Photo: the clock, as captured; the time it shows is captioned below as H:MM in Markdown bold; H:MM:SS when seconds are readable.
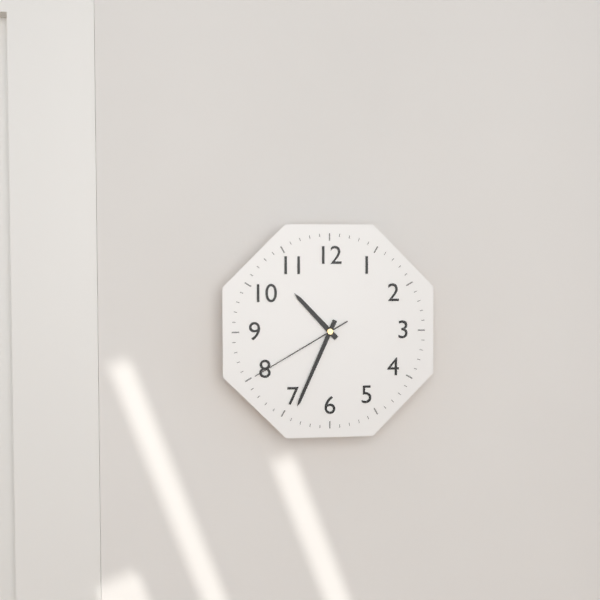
**10:34:40**
